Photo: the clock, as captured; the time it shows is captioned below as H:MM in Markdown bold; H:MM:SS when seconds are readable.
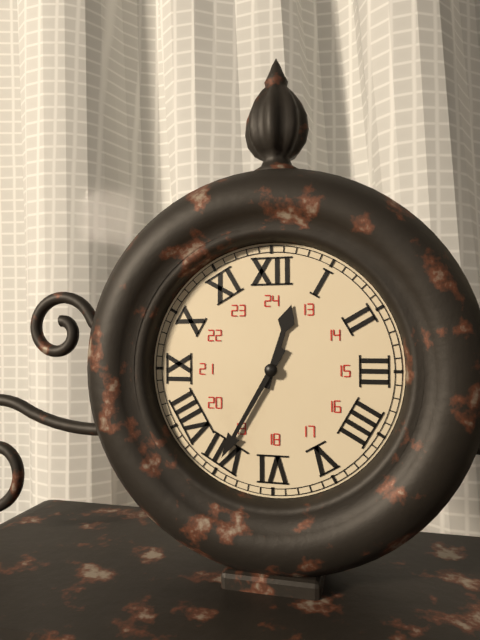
**12:35**
